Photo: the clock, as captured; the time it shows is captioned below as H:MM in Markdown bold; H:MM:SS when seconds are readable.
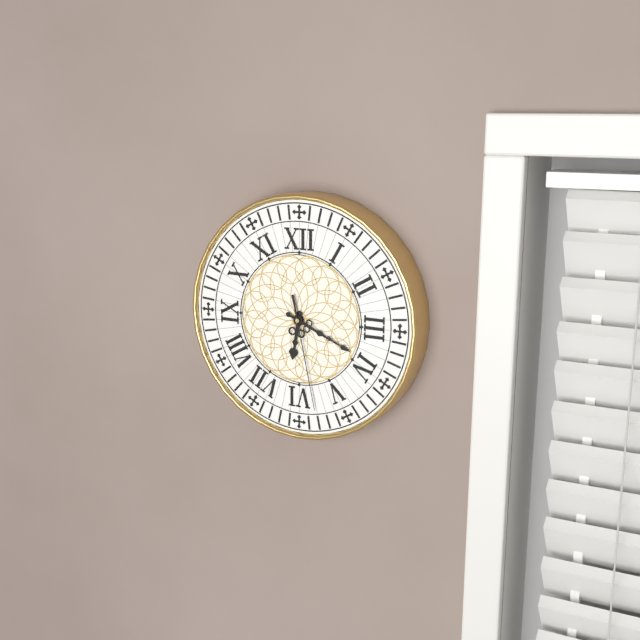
**6:19:28**
